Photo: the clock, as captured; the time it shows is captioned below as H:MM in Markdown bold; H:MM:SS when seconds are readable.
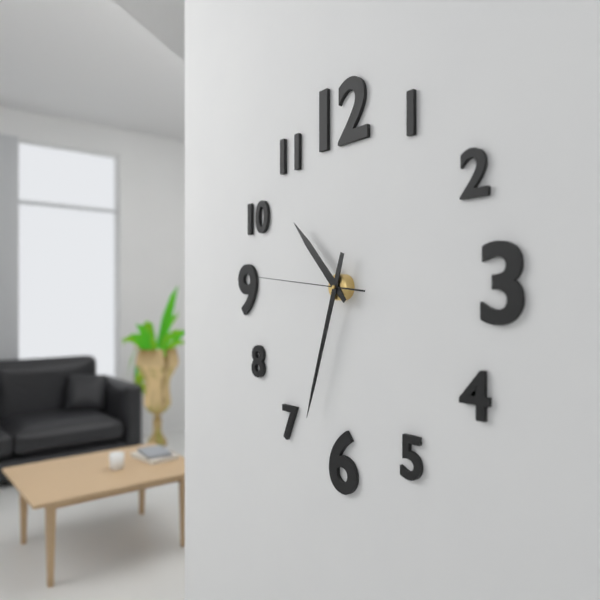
**10:33:46**
